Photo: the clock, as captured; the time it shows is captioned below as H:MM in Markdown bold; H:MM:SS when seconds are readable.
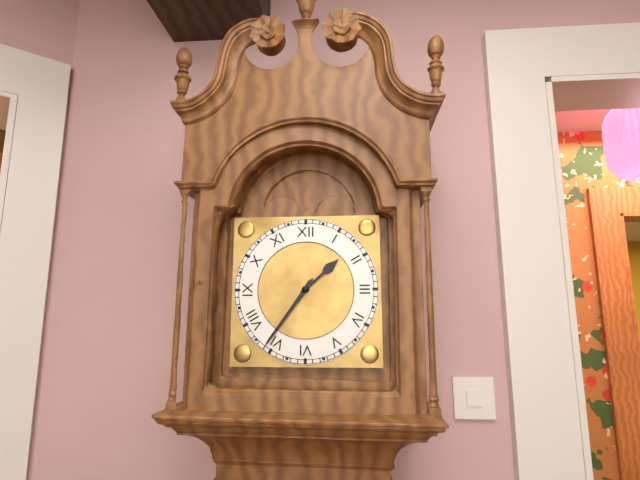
**1:36**
